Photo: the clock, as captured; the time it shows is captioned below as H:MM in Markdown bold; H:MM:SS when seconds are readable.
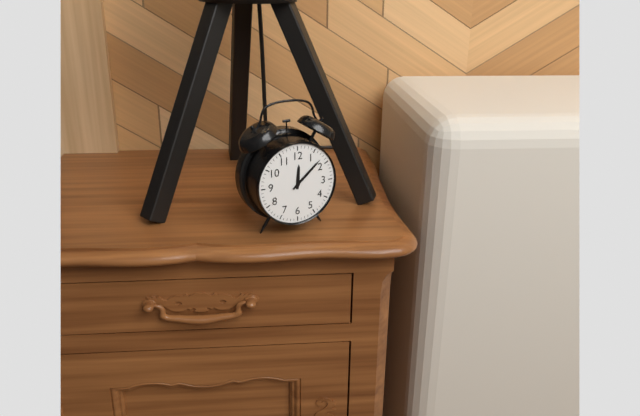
**12:08**
